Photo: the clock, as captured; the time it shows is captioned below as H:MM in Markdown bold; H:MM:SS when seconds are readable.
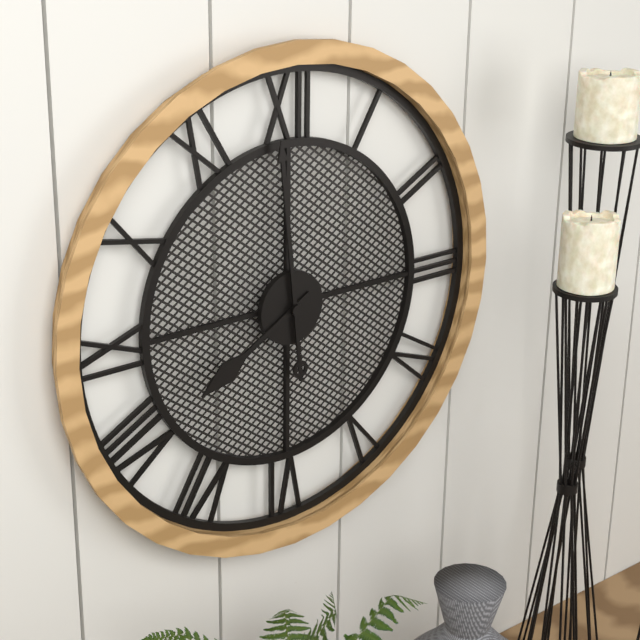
**7:59**
